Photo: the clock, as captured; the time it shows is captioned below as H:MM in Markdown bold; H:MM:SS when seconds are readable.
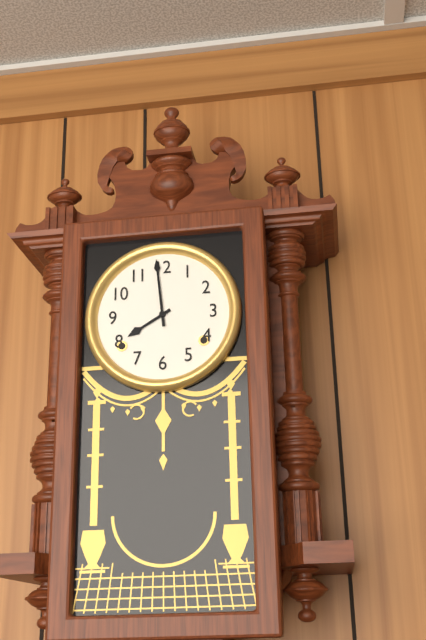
**7:59**
